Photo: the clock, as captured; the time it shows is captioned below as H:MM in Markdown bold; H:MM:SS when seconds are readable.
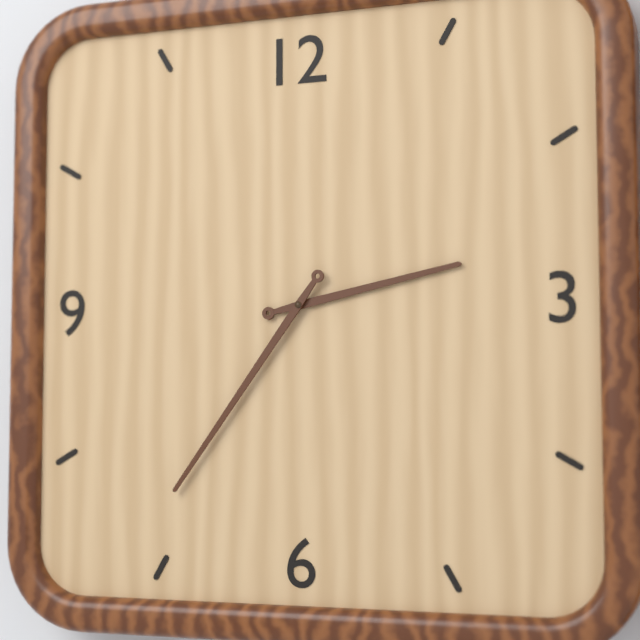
**2:36**
